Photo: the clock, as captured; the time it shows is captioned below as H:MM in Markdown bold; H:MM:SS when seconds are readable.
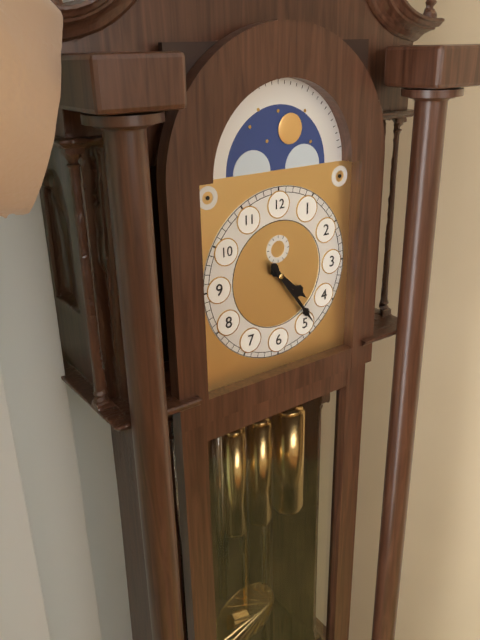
**4:24**
